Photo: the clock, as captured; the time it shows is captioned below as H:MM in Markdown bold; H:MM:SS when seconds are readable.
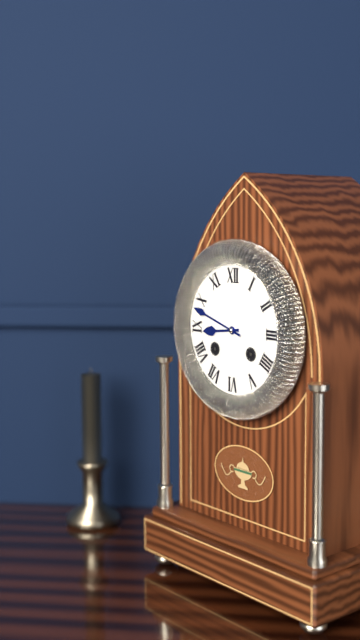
**8:48**
